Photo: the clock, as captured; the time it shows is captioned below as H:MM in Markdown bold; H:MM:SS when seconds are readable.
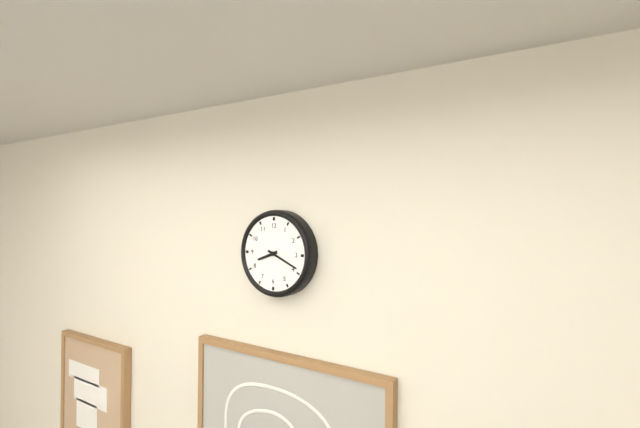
**8:19**
